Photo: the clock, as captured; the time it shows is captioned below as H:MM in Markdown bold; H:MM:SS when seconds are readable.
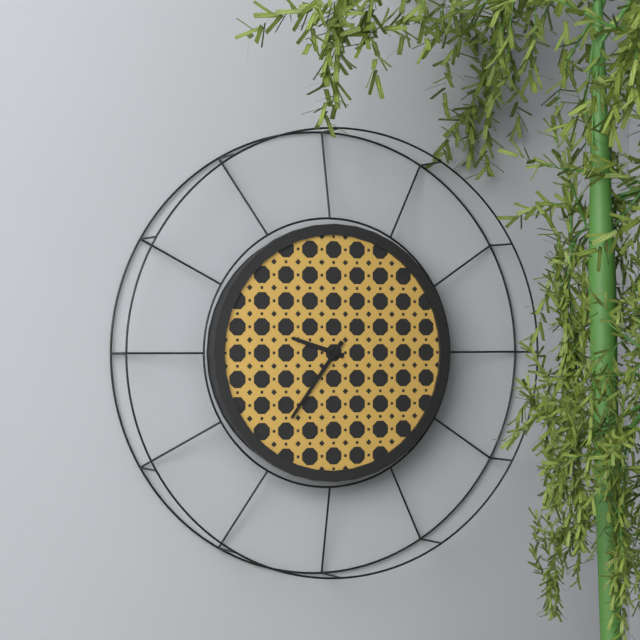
**9:36**
